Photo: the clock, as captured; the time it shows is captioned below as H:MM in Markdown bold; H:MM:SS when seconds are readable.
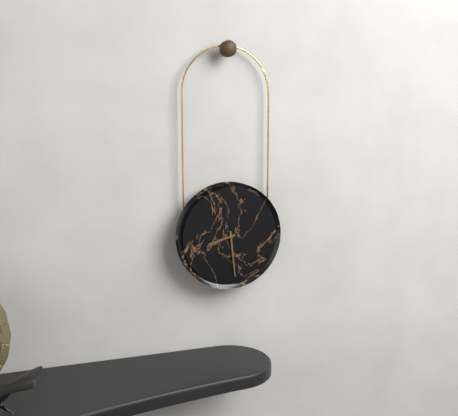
**8:29**
